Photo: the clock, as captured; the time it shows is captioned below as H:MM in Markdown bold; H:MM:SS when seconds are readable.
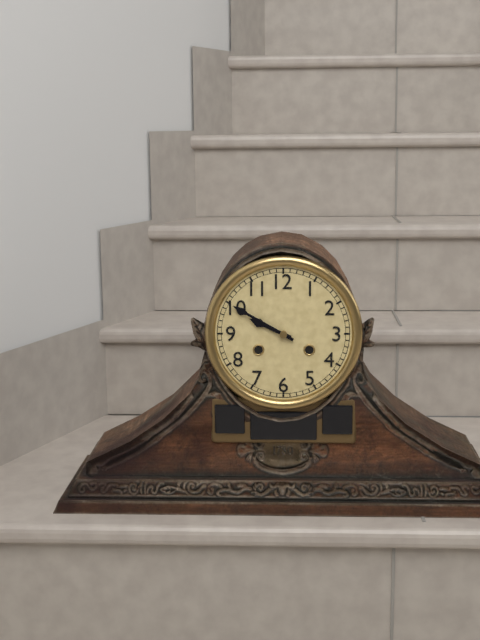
**9:50**
